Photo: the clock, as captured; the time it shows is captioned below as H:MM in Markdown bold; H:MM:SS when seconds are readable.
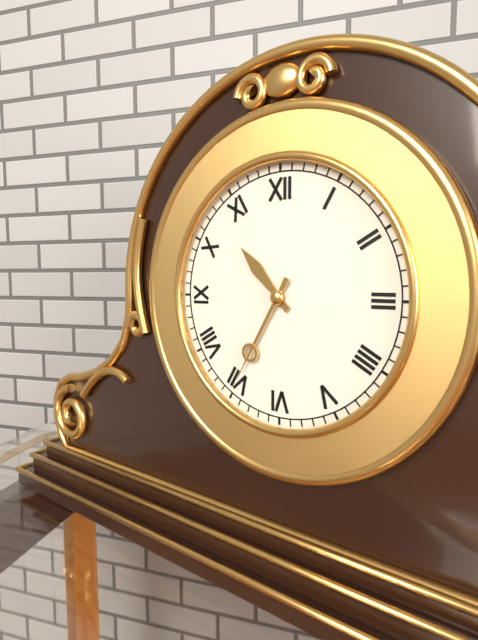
**10:35**
